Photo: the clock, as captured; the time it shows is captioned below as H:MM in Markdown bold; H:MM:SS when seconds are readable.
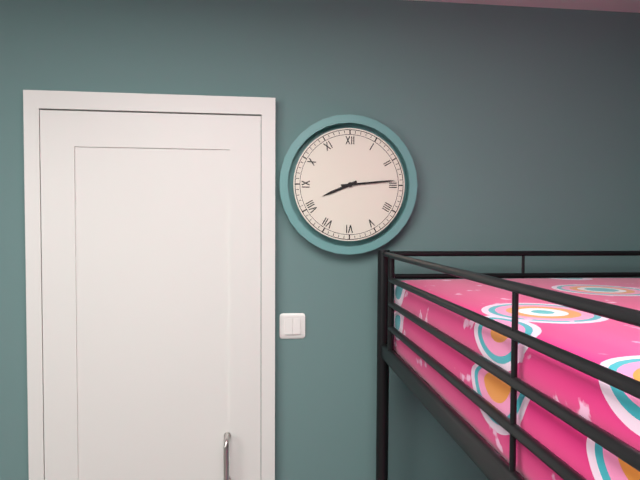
**8:14**
